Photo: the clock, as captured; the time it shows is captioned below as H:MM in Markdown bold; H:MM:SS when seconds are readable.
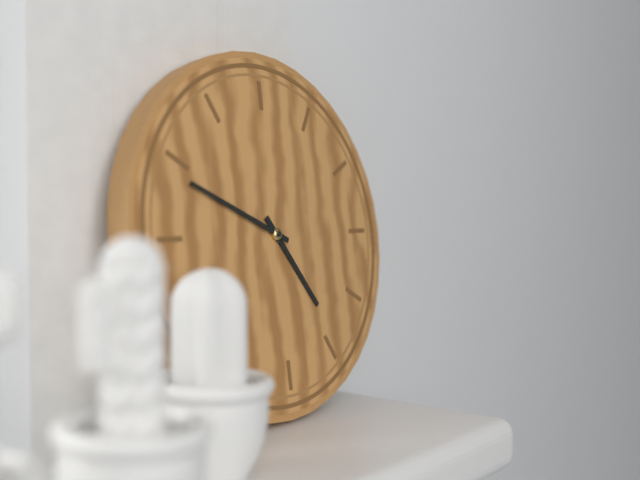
**4:49**
